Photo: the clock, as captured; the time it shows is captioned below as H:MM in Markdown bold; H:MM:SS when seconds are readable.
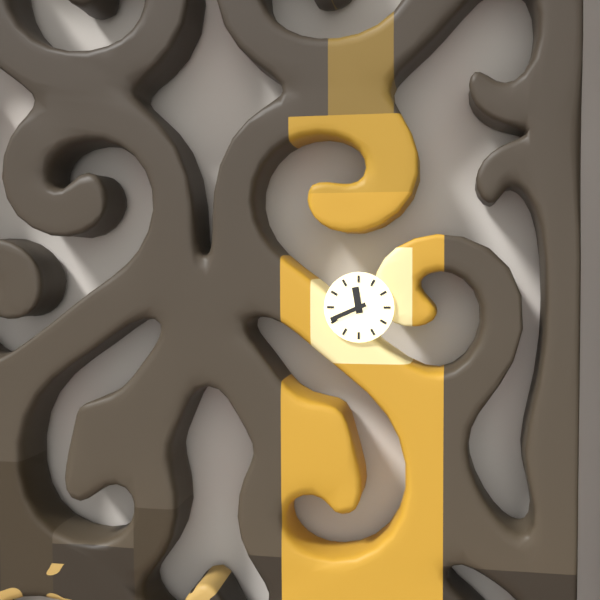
**11:41**
